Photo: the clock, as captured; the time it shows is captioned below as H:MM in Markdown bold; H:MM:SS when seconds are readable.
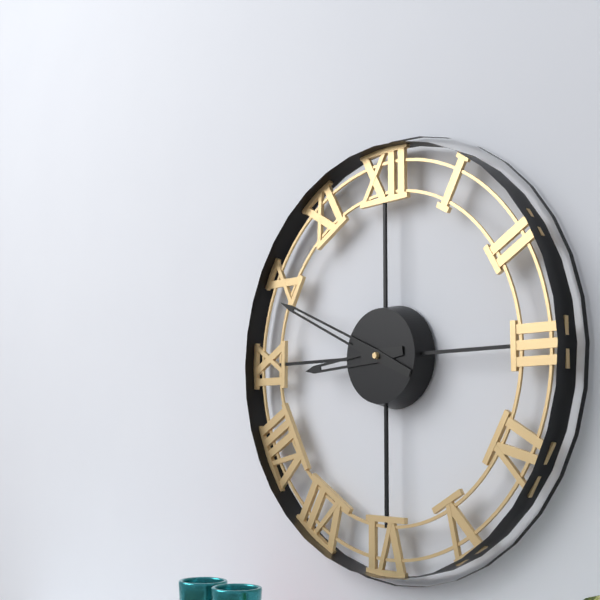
**8:49**
